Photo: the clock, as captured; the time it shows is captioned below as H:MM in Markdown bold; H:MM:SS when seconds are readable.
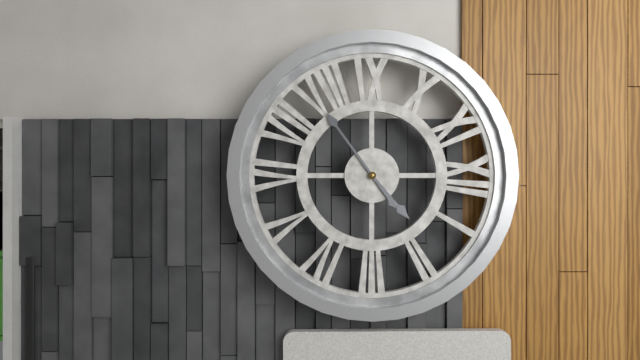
**1:39**
